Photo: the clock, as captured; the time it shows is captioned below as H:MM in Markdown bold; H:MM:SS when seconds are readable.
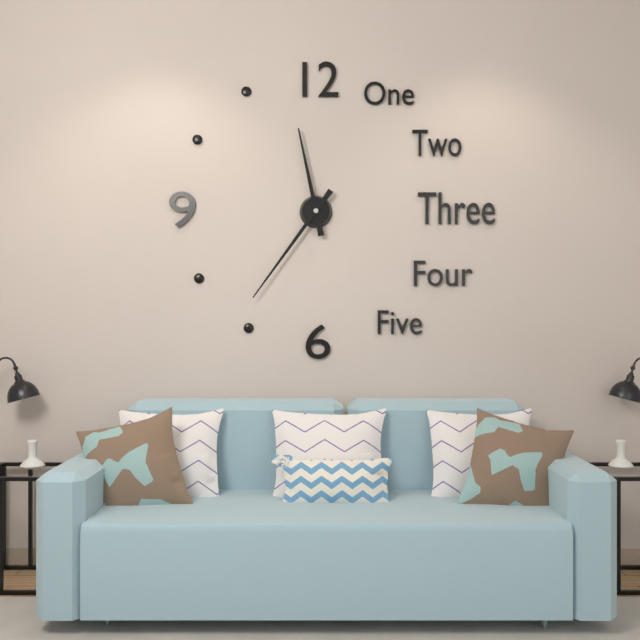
**11:36**
